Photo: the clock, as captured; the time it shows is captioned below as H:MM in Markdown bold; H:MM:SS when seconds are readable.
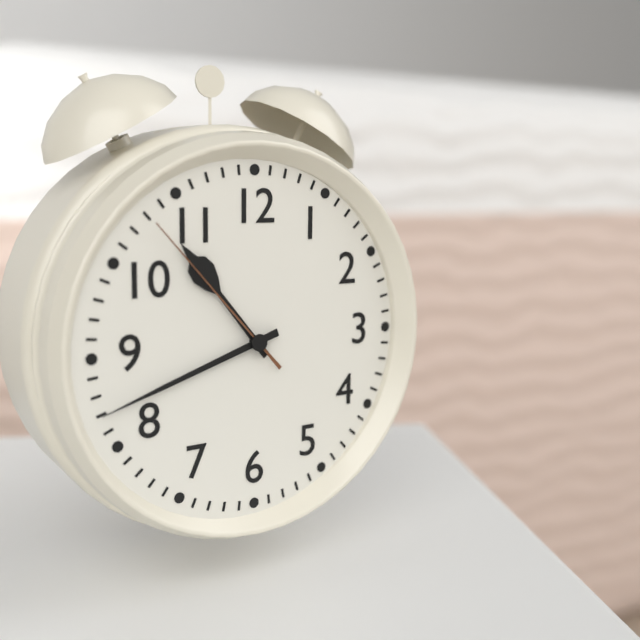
**10:42:53**
